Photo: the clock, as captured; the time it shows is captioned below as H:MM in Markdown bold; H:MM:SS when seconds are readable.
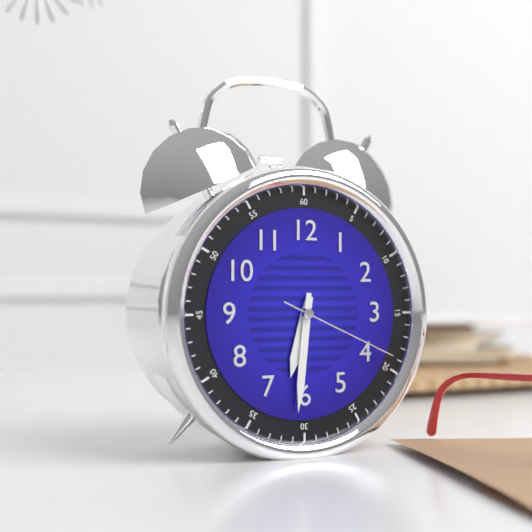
**6:31:19**
